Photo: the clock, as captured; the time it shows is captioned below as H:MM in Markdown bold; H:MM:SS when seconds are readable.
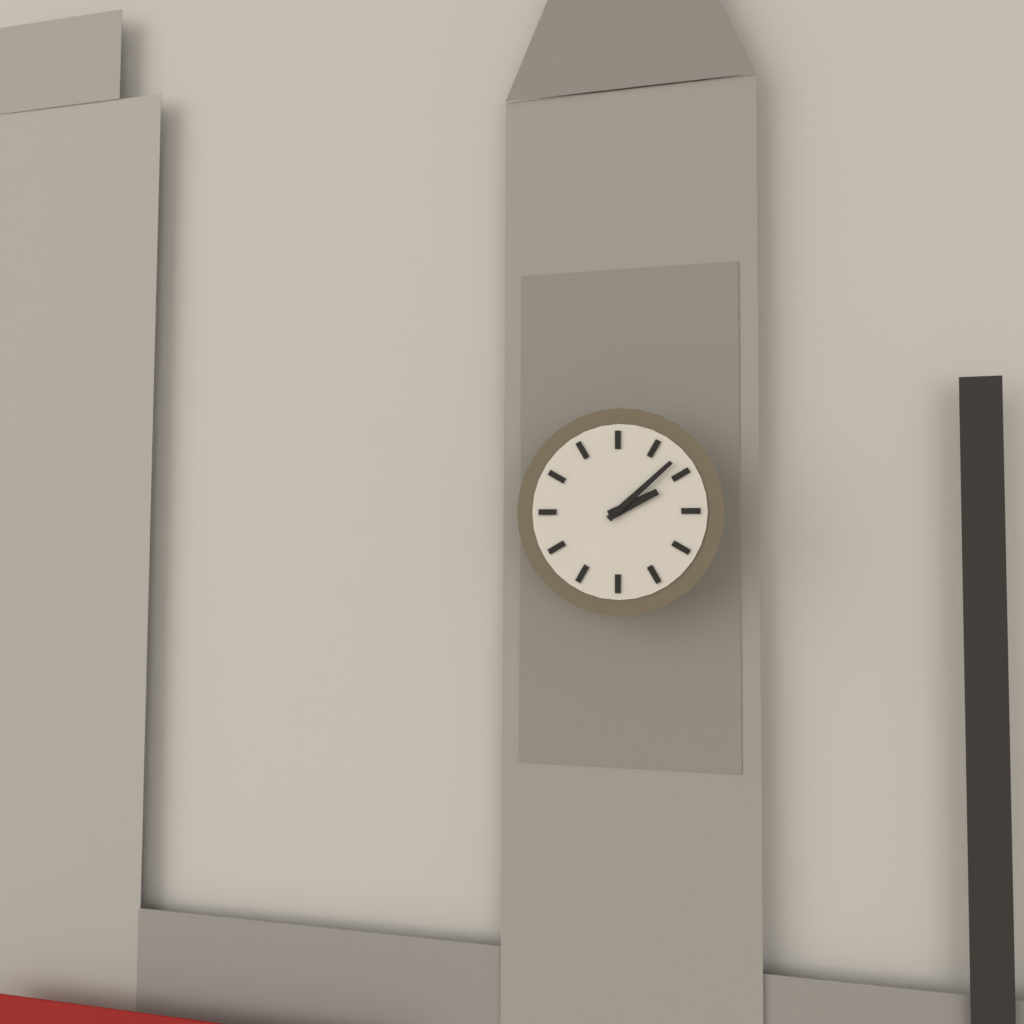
**2:08**
